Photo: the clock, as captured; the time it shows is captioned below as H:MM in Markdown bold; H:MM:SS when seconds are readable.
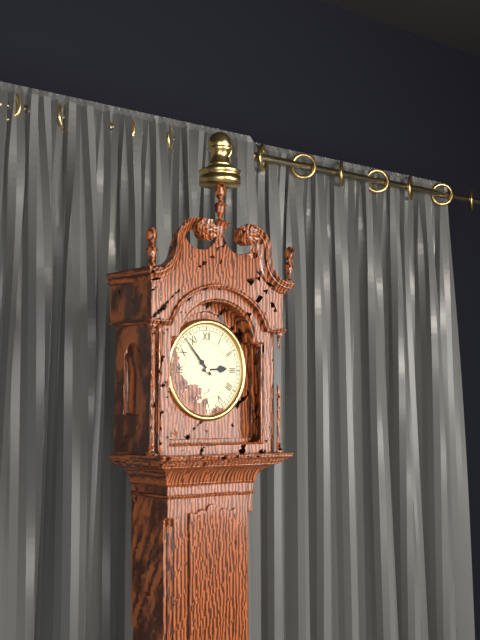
**2:53**
